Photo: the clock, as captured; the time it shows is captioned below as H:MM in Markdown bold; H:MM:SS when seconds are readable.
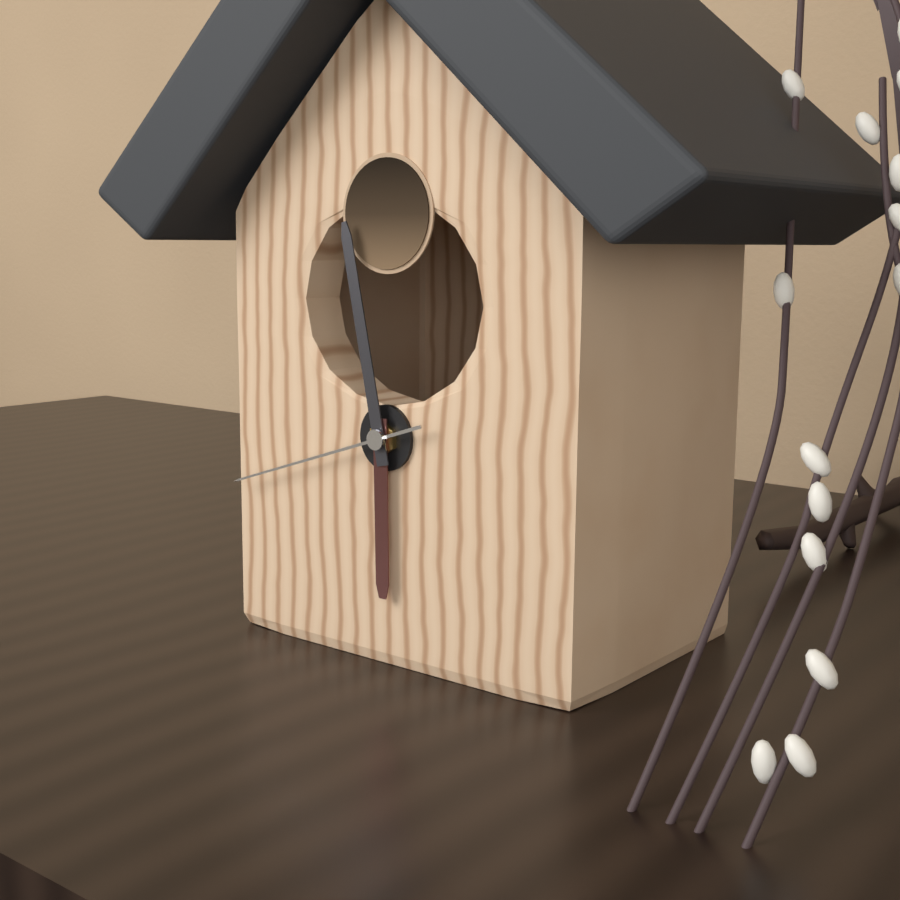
**5:58:42**
